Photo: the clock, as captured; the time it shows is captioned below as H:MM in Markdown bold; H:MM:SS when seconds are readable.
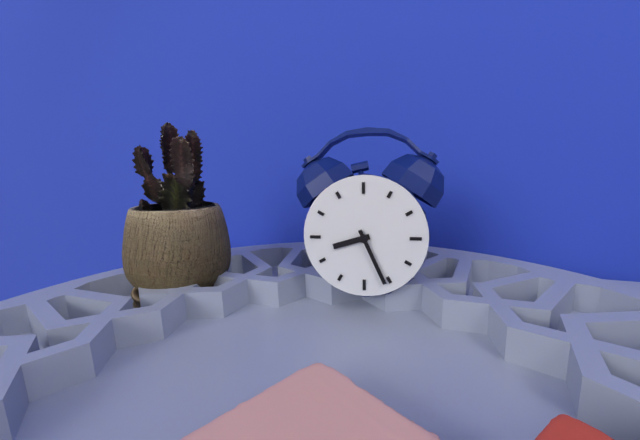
**8:26**
